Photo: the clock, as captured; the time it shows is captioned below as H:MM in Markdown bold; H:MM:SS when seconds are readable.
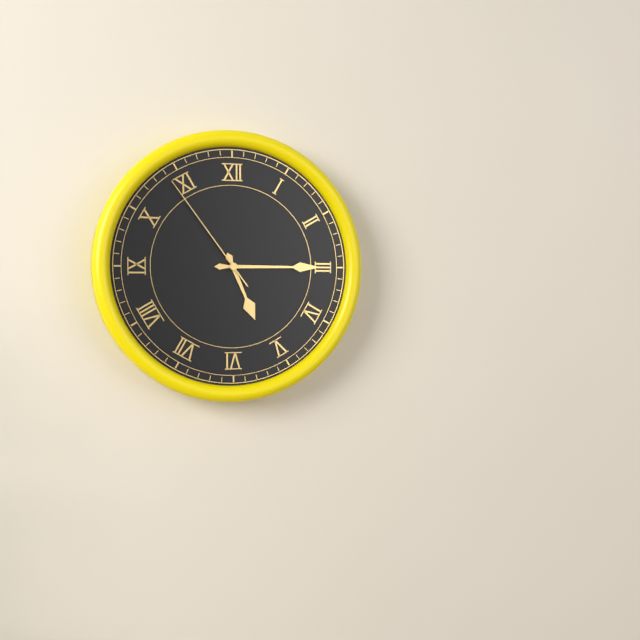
**5:15:54**
